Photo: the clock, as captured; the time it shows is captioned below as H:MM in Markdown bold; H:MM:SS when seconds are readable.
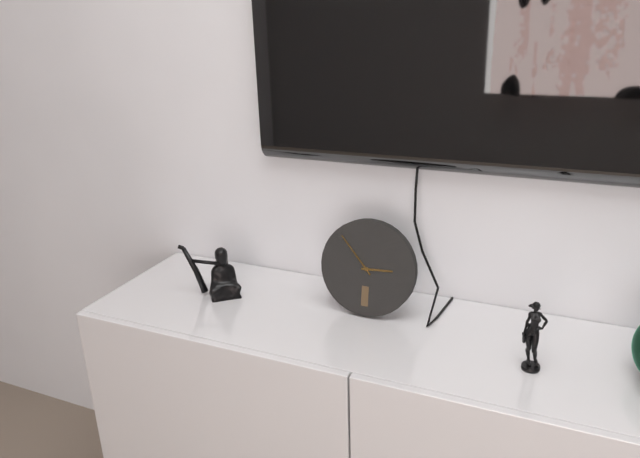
**2:53**
